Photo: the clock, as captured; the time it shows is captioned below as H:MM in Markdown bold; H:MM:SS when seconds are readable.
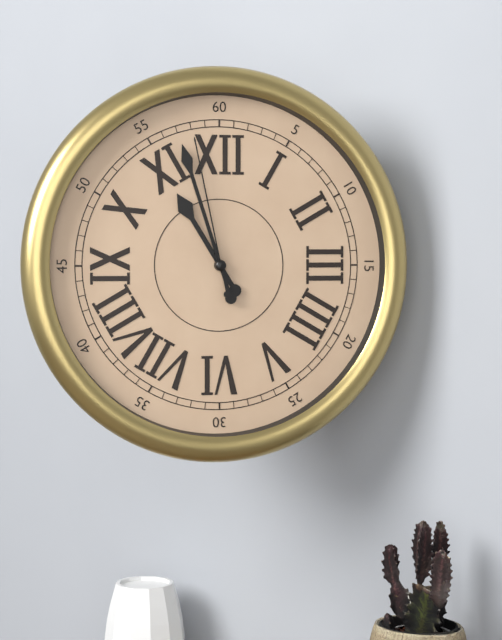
**10:57:58**
